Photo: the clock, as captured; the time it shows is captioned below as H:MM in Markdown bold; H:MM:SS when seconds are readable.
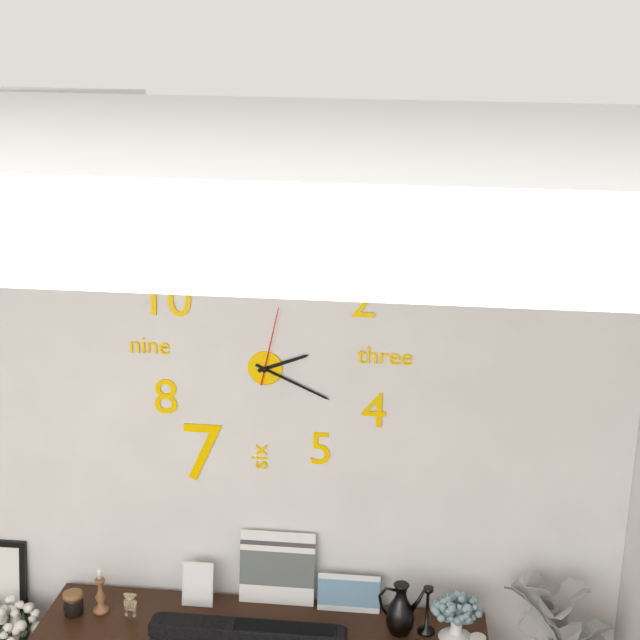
**2:19:02**
